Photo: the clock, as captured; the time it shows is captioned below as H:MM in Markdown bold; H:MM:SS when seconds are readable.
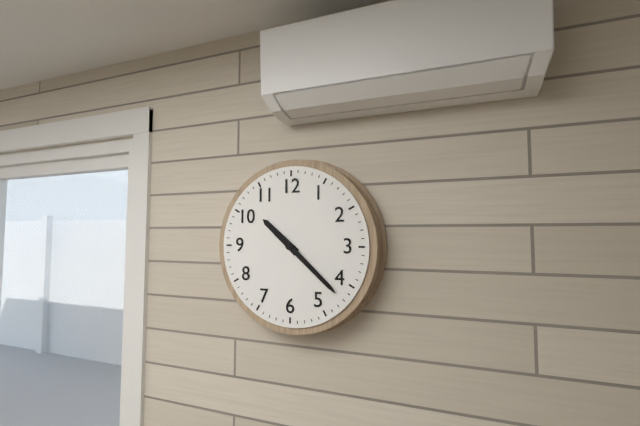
**10:22**
